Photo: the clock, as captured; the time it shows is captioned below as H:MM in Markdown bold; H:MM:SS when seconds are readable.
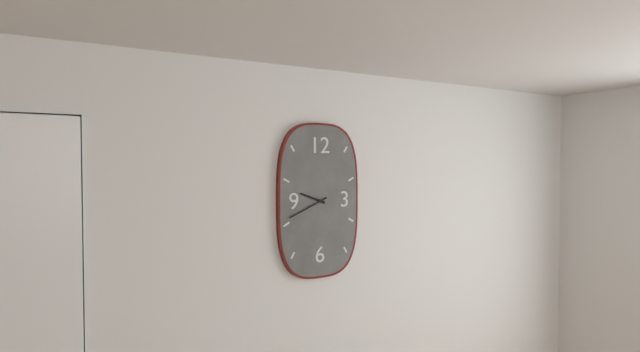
**9:41**
